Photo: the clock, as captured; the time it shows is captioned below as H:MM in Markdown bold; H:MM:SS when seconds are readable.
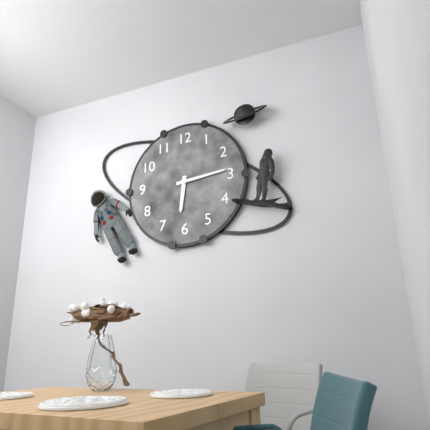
**6:14**
